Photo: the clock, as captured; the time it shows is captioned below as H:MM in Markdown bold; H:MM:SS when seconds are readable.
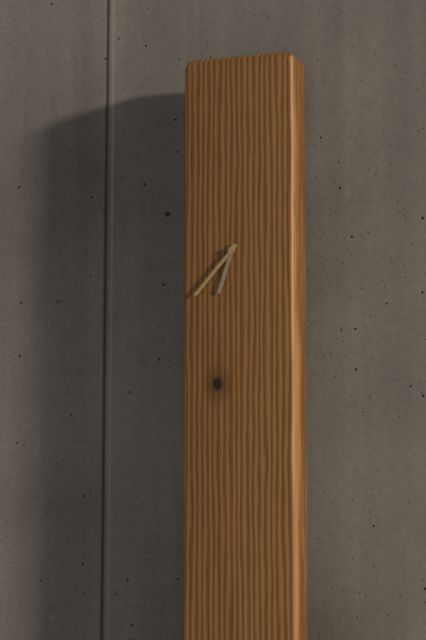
**6:37**
